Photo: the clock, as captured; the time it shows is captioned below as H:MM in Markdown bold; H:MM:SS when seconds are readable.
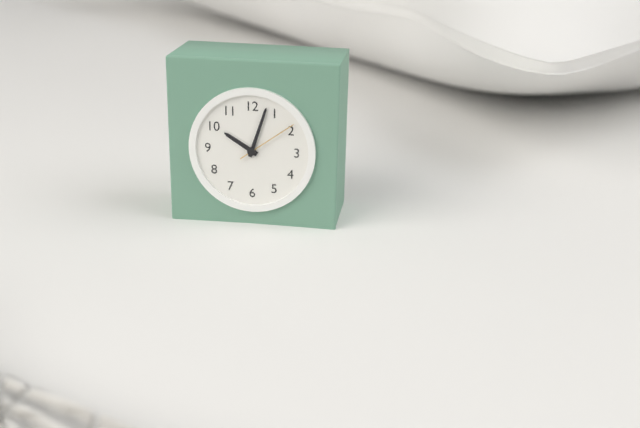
**10:03:09**
